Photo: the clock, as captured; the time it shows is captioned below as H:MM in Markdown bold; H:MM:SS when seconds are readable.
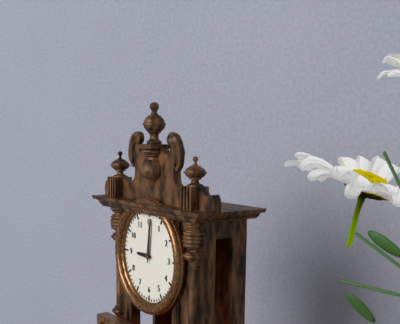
**9:01**
